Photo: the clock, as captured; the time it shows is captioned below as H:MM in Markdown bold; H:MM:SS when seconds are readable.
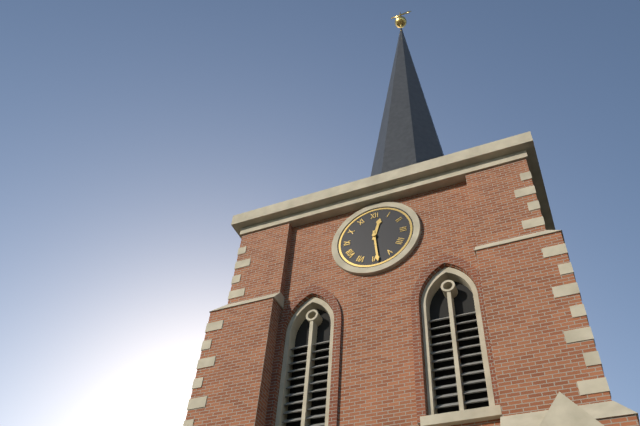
**12:29**
